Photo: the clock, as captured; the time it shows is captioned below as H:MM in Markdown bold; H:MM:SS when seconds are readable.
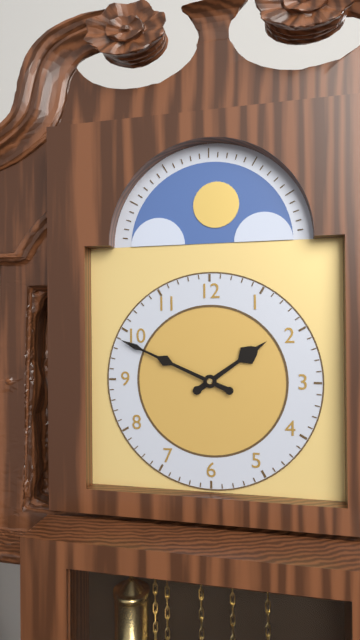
**1:49**
